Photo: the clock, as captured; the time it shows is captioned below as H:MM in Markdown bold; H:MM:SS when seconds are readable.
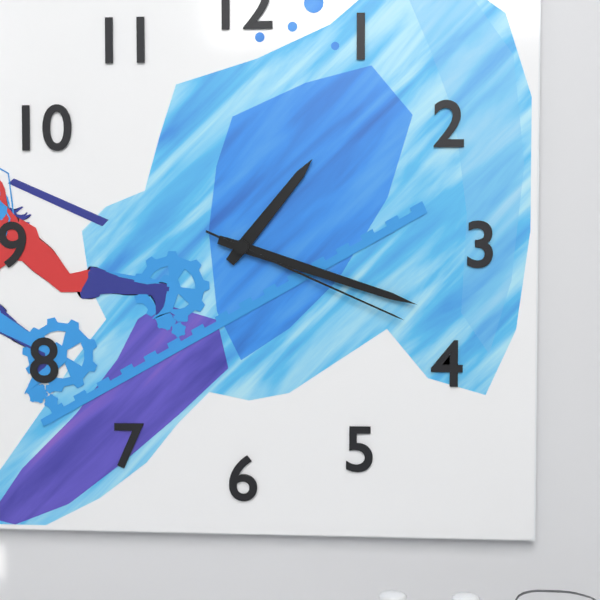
**1:18:19**
